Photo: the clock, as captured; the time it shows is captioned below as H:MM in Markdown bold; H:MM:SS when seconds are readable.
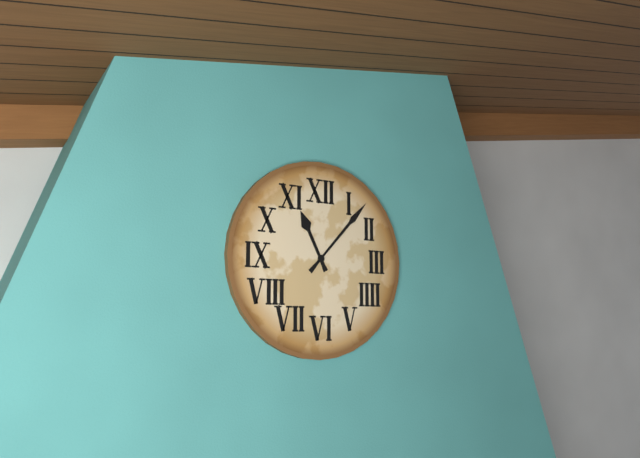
**11:07**
